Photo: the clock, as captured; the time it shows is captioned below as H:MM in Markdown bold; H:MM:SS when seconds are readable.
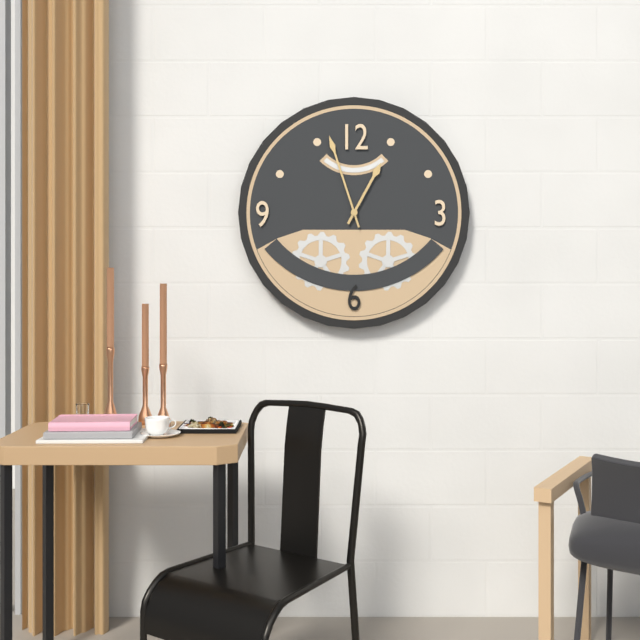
**12:57**
